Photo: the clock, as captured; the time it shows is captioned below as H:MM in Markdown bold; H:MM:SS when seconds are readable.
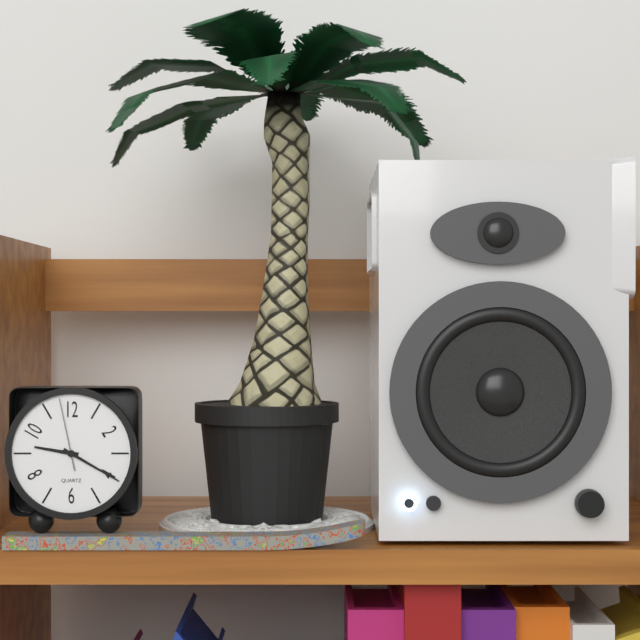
**9:20:58**
